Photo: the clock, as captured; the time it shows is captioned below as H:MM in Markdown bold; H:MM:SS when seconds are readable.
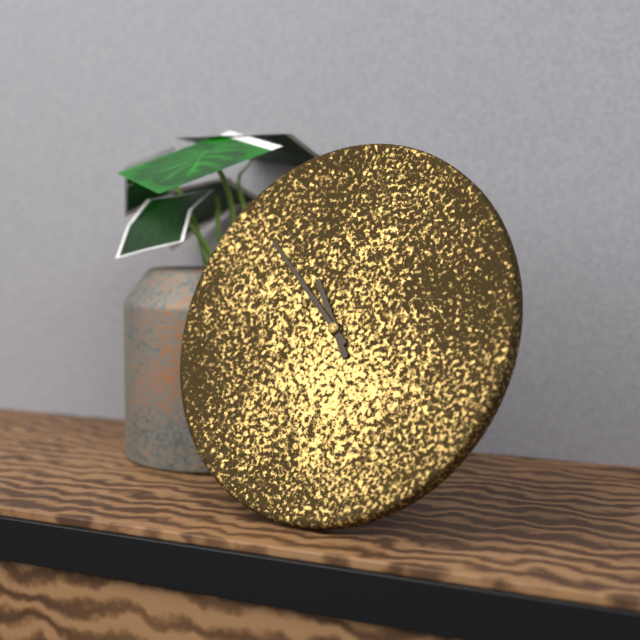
**10:52**
